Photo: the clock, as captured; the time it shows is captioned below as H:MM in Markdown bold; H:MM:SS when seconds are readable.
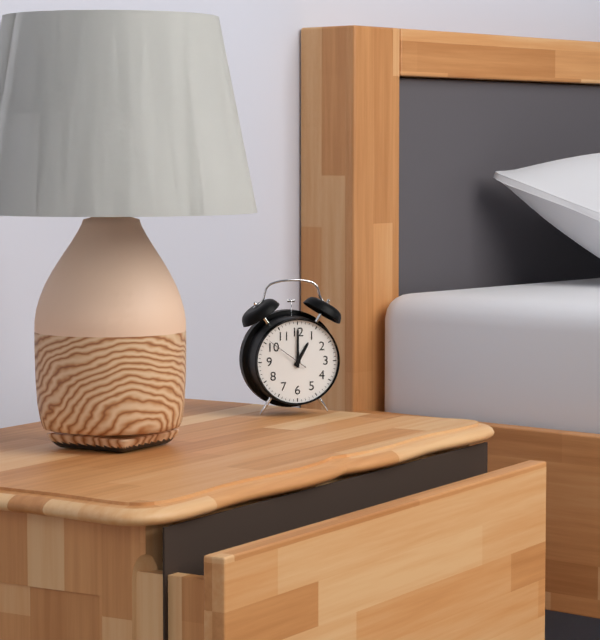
**1:00**
